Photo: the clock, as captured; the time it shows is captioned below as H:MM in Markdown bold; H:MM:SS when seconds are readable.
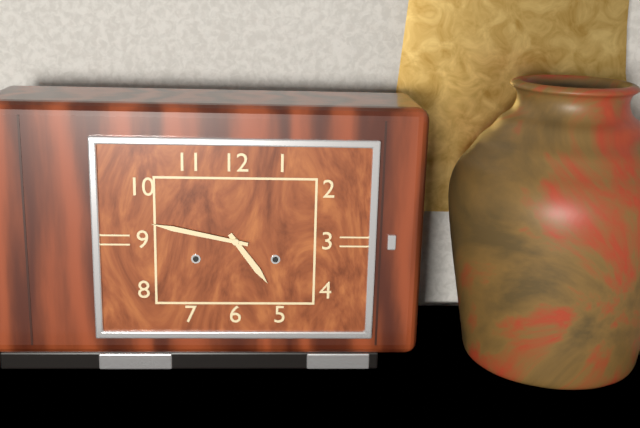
**4:47**
